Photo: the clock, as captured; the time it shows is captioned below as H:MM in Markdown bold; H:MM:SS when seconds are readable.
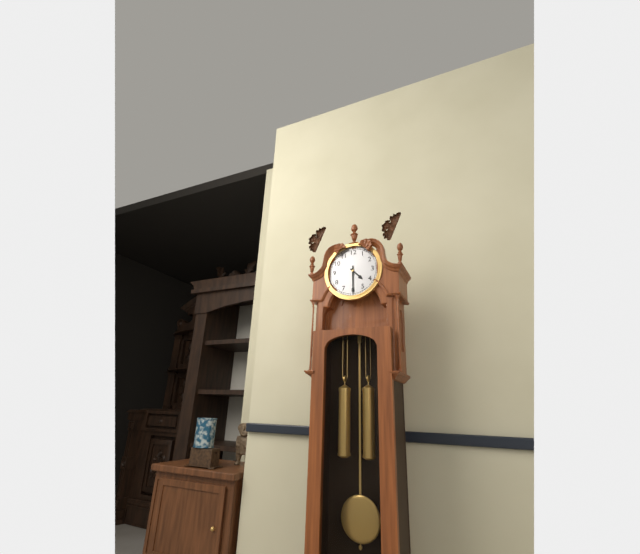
**4:30**
